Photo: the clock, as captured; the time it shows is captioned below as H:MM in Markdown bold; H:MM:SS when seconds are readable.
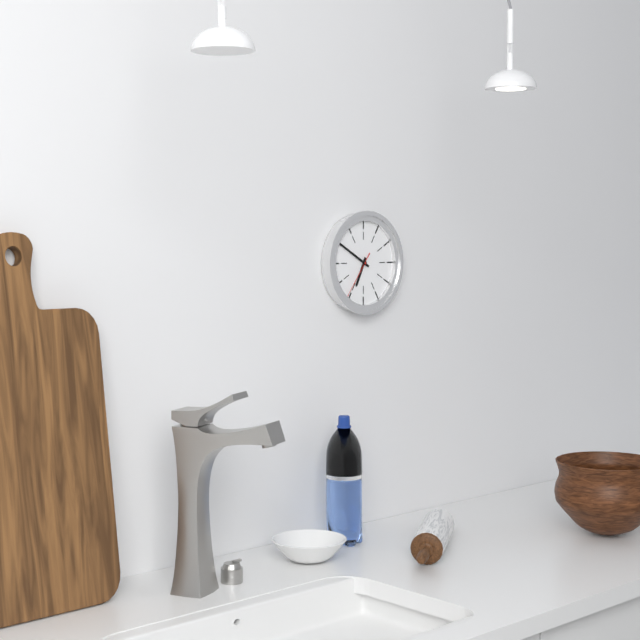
**6:50:36**
